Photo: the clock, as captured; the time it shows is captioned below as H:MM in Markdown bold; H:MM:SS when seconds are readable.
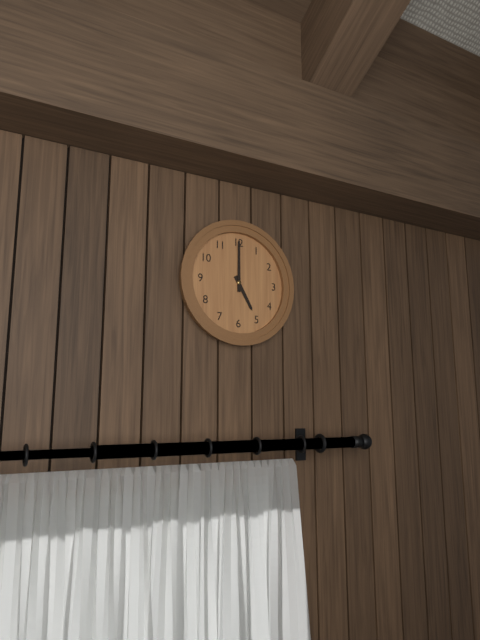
**5:00**
